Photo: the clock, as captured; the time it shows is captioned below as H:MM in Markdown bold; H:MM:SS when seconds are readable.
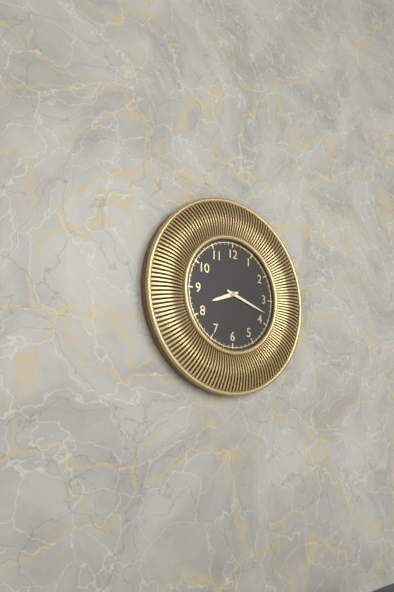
**8:18**
